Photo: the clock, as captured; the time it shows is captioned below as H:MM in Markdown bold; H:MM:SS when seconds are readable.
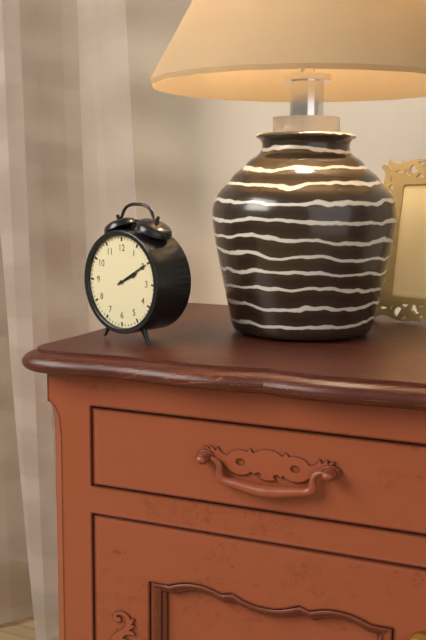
**2:10**
